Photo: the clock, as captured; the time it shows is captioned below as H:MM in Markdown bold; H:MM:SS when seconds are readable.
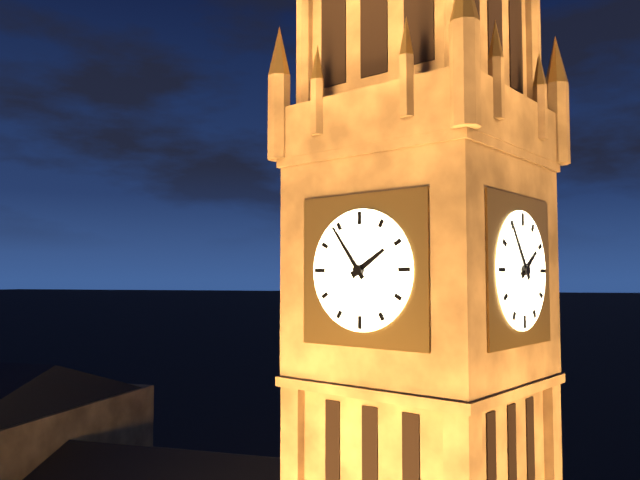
**1:54**
